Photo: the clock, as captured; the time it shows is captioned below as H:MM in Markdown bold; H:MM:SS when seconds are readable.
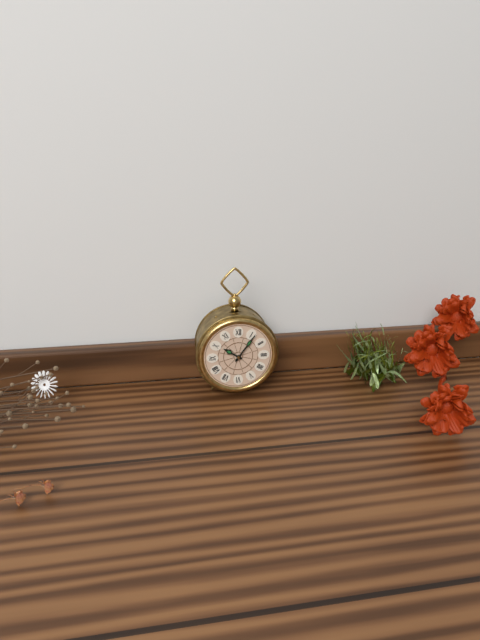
**10:06**
